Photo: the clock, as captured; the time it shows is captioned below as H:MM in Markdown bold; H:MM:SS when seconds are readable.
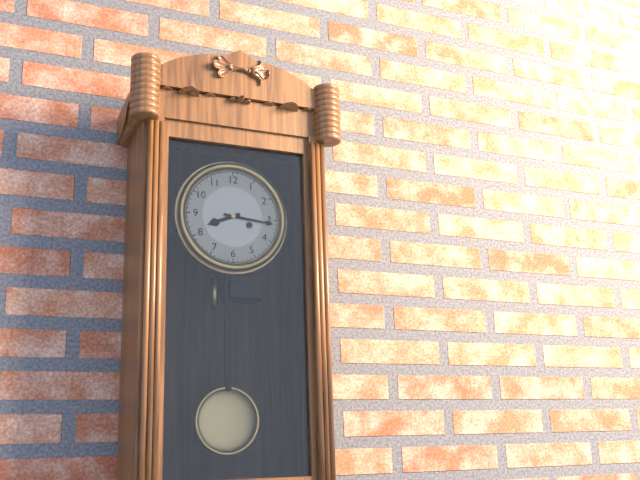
**8:16**
